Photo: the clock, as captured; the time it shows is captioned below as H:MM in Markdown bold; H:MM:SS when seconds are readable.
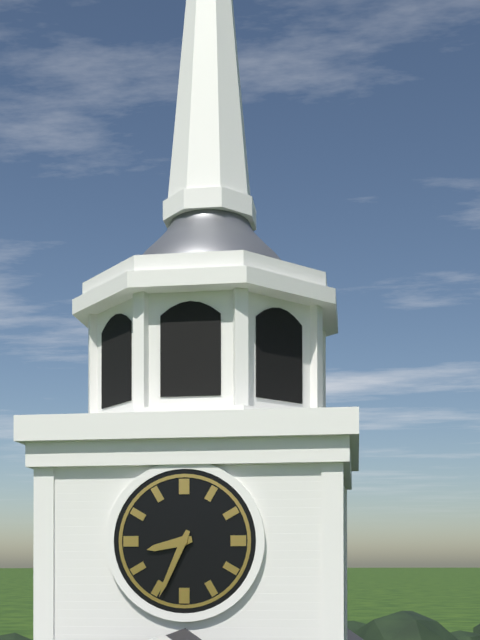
**8:34**
